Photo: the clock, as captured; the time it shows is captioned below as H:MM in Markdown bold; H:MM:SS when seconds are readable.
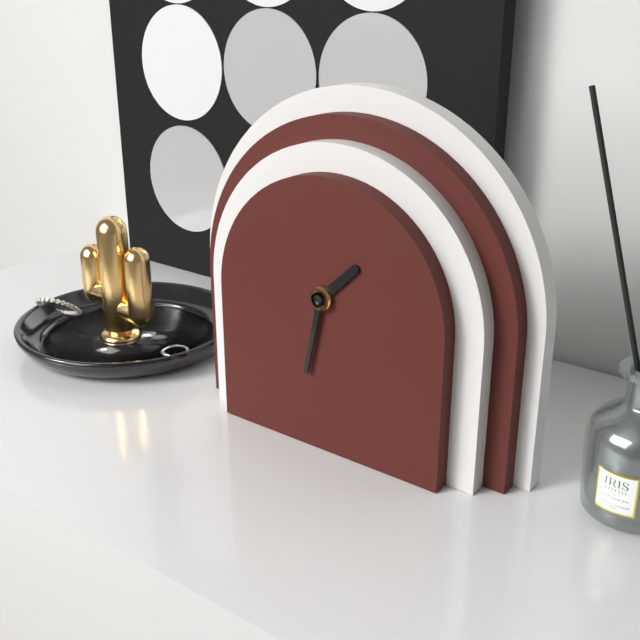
**1:32**
